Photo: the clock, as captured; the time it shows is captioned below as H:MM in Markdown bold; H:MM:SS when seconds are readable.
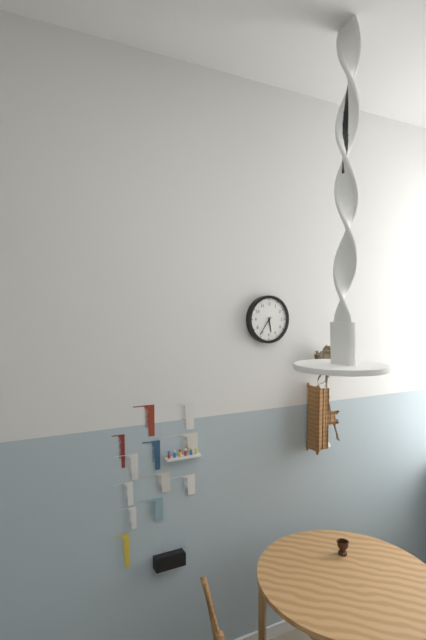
**5:36**
